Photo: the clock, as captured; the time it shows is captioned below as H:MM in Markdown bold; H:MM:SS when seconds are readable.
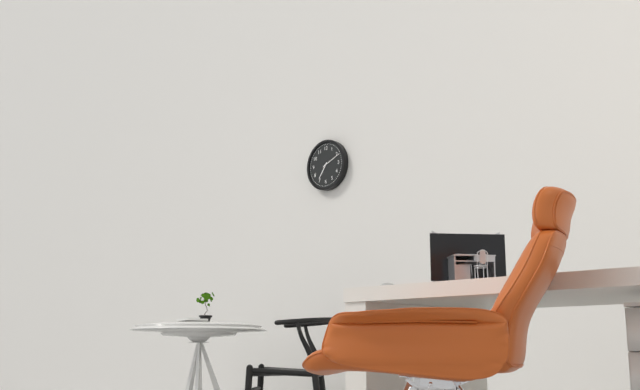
**7:11**
